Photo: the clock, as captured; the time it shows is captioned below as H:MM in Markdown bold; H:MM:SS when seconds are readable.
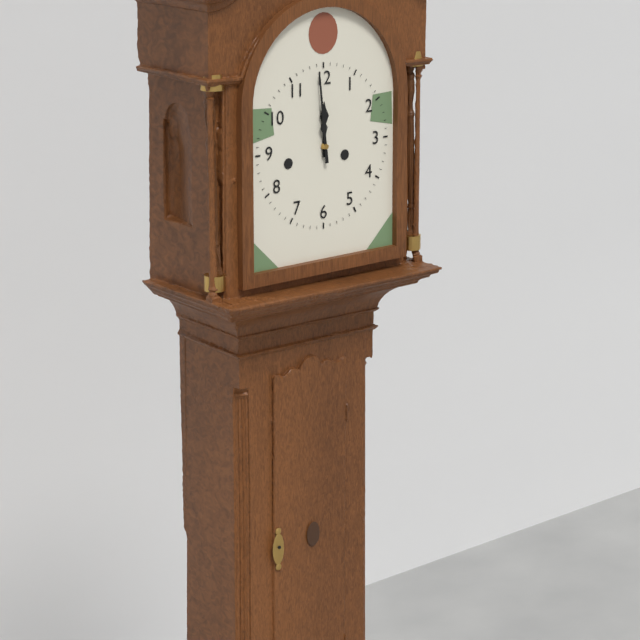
**11:59**
